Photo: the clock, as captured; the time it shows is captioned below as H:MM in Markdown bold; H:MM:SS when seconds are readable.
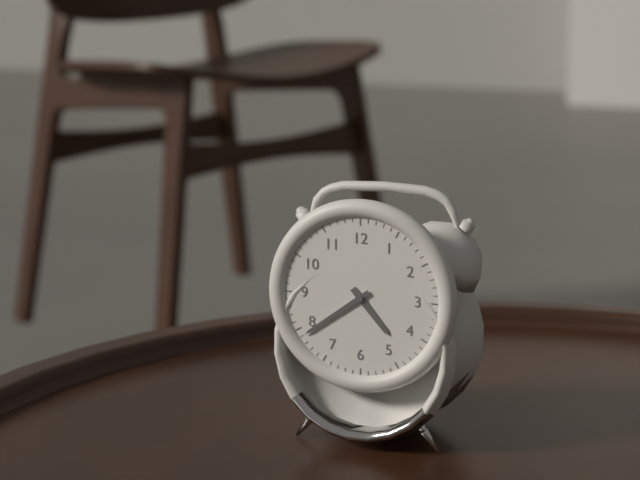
**4:39**
